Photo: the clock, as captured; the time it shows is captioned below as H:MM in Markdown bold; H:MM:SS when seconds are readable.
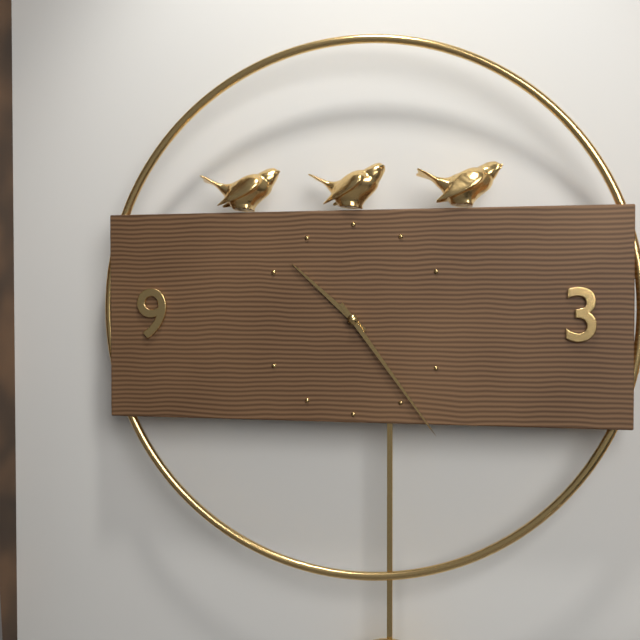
**10:24**
